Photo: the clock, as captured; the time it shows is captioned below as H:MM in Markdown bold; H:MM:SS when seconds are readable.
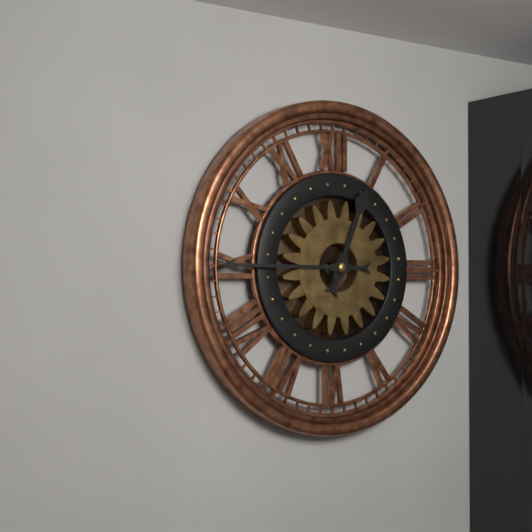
**12:45**
